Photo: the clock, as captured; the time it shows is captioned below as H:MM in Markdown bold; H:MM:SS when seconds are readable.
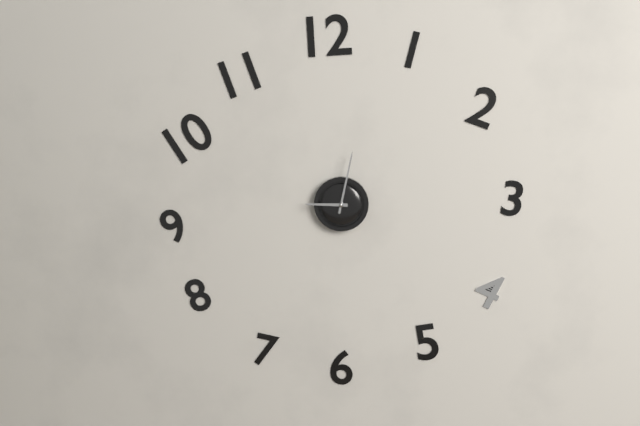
**9:02**
